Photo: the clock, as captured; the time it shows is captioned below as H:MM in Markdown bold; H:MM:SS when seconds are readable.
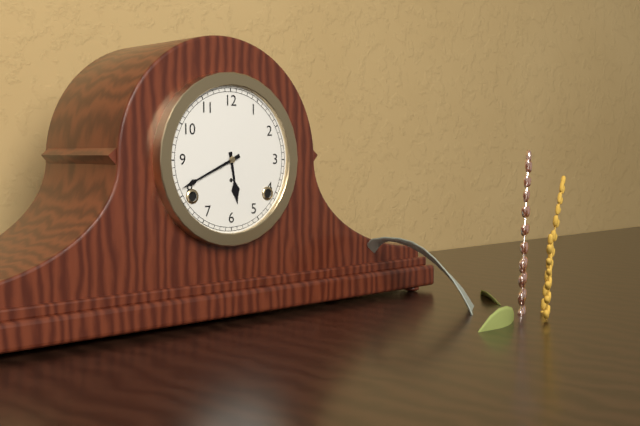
**5:41**
